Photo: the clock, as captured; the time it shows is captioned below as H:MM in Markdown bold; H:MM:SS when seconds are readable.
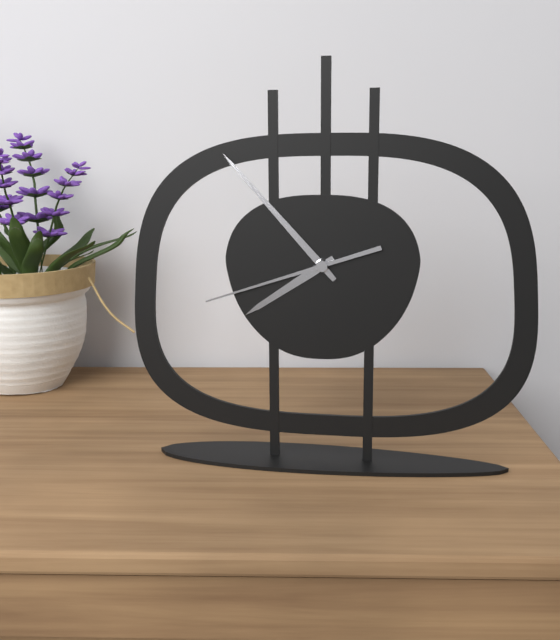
**7:53:42**
